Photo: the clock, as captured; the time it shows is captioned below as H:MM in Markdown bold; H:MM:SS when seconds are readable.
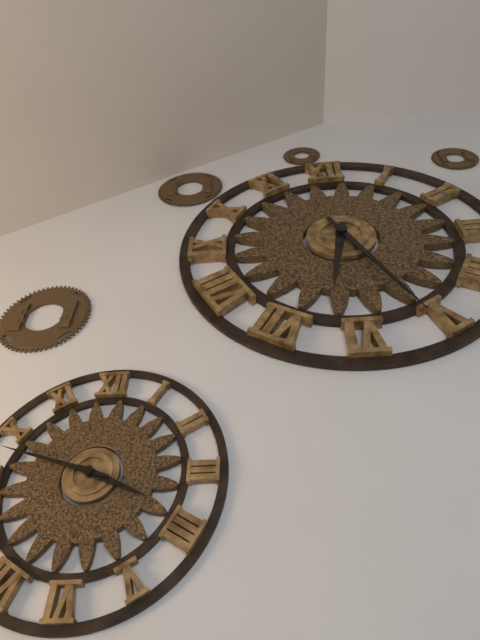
**6:26**
